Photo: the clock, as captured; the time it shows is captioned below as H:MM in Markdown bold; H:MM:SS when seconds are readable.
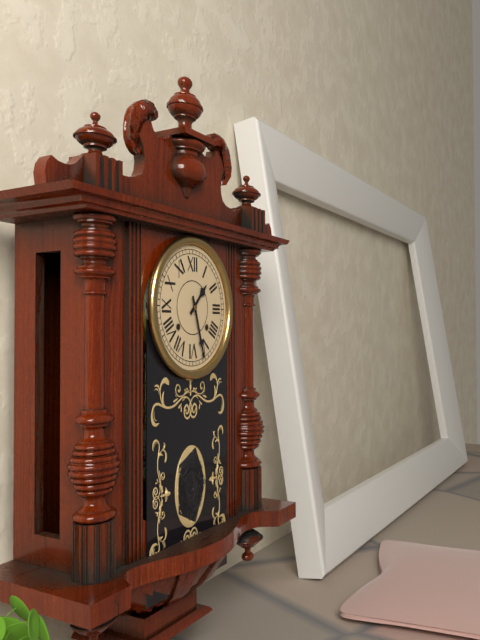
**1:27**
